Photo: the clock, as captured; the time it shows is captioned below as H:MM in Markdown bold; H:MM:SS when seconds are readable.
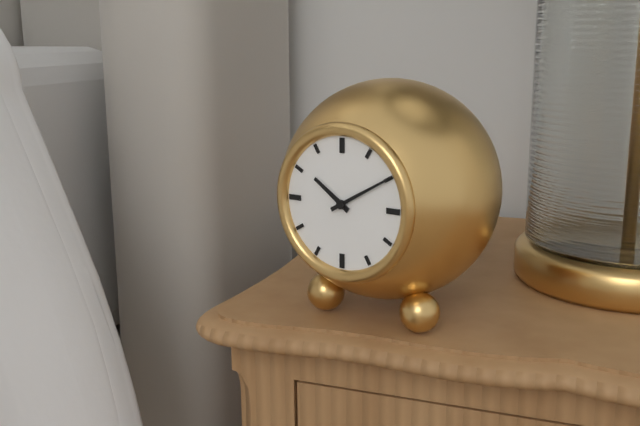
**10:10**
